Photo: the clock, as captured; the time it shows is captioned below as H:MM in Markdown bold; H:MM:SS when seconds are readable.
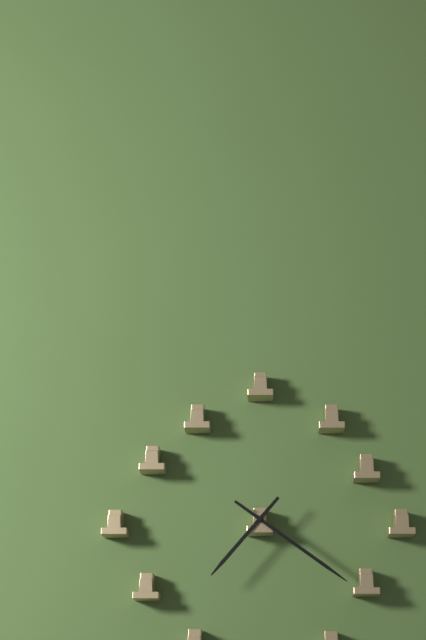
**7:21**
